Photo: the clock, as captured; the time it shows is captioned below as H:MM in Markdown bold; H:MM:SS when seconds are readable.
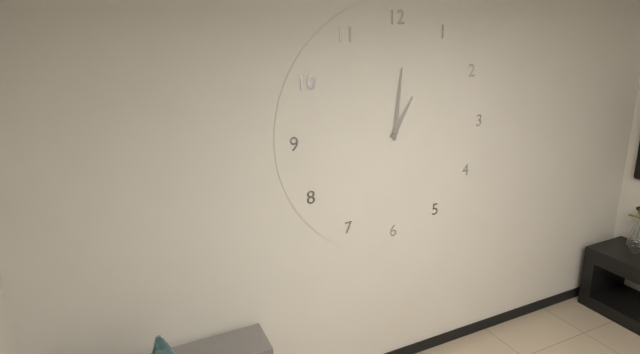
**1:01**
